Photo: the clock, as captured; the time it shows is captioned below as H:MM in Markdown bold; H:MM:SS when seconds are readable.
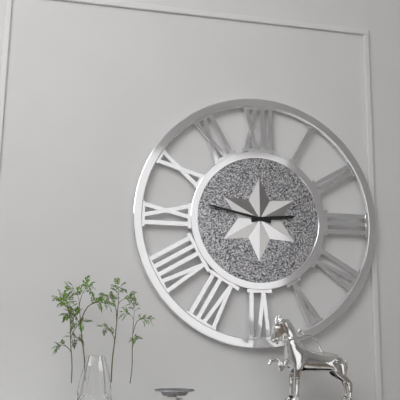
**2:47**
